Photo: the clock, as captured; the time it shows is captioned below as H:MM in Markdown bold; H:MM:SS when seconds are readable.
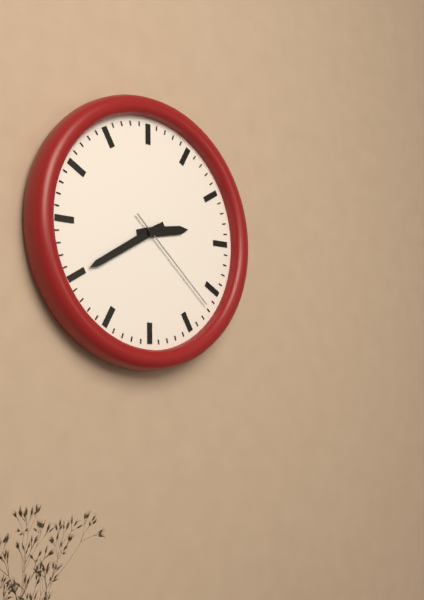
**2:40:22**
